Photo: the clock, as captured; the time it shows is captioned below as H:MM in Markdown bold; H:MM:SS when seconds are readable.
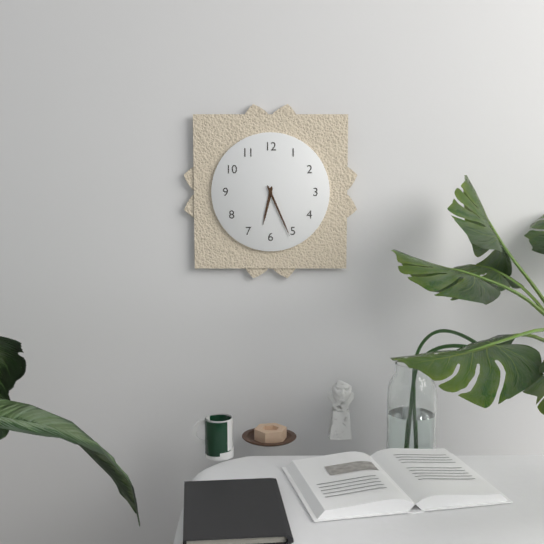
**6:26**
